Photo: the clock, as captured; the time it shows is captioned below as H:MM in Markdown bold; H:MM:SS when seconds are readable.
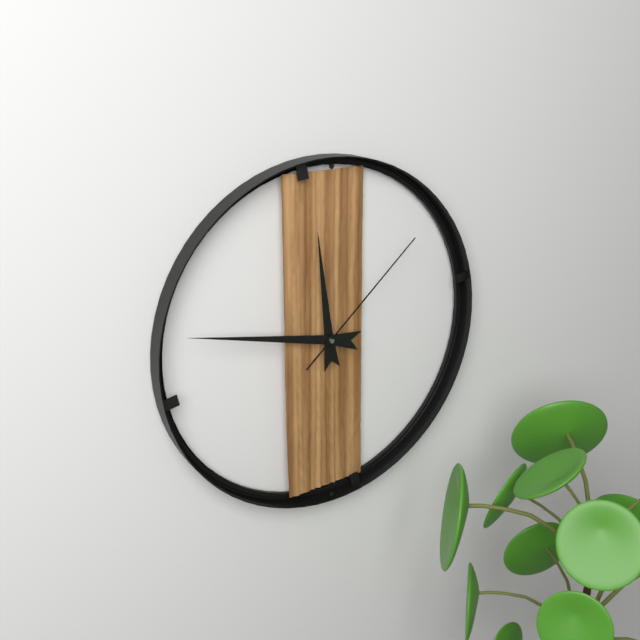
**11:47:08**
